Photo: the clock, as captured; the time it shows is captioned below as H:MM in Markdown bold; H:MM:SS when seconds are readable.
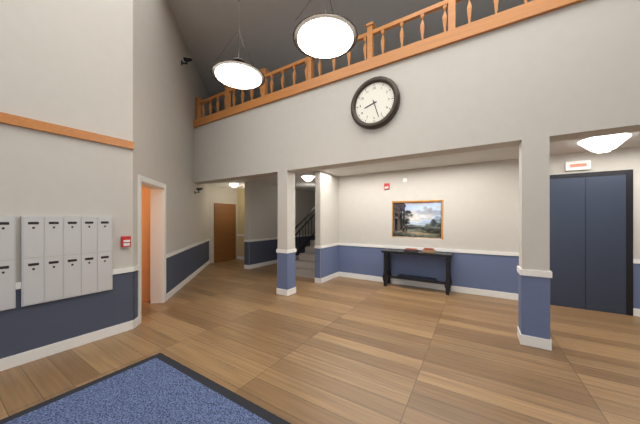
**8:27**
